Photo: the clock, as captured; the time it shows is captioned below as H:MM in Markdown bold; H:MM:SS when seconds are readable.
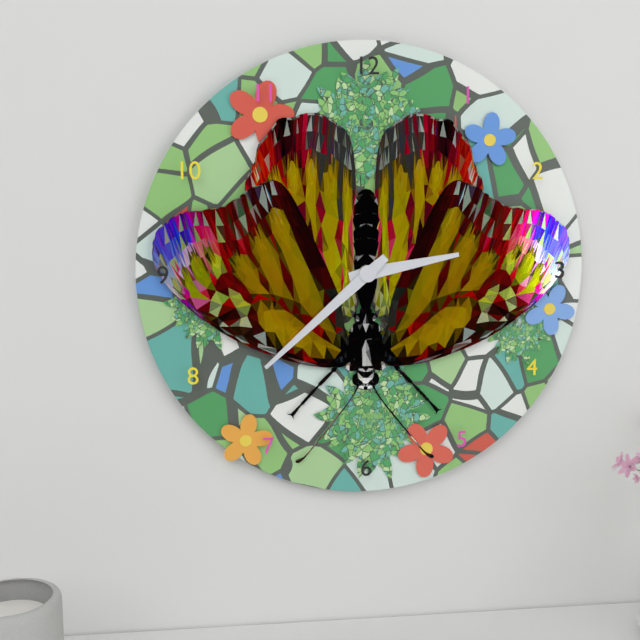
**2:38**
